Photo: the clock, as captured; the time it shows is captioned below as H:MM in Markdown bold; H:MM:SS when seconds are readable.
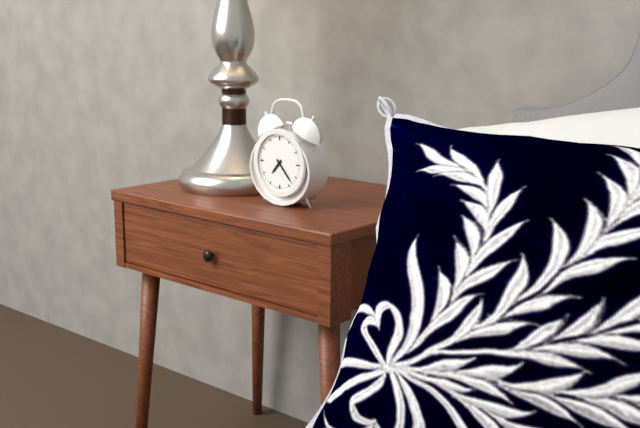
**7:23**
